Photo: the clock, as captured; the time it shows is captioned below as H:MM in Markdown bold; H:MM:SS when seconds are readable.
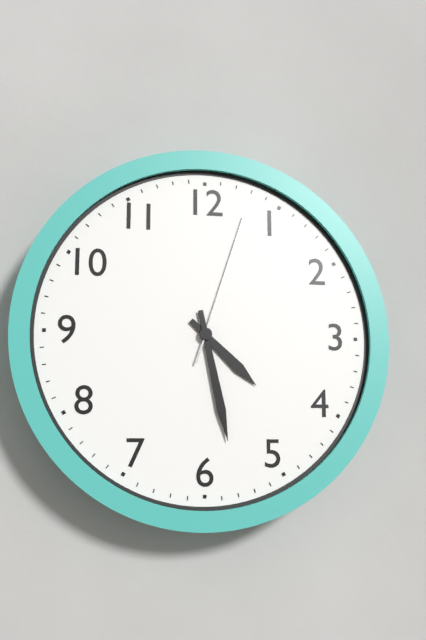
**4:28:03**
